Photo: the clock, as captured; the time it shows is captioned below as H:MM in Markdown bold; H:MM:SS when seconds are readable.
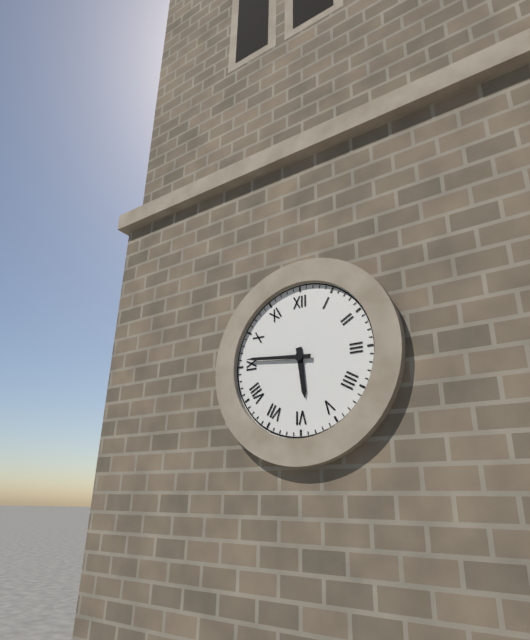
**5:46**
